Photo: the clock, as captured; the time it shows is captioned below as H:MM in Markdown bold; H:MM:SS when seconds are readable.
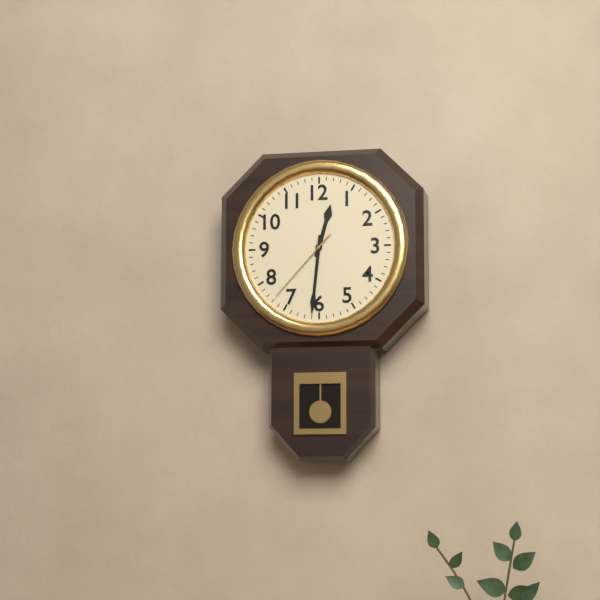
**12:31:37**
